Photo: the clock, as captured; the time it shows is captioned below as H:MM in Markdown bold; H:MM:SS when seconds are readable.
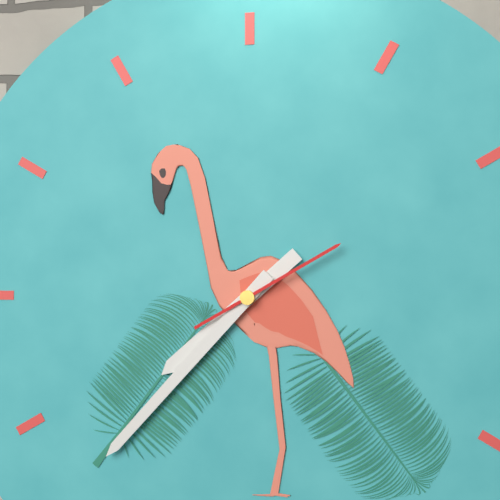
**7:37:10**
